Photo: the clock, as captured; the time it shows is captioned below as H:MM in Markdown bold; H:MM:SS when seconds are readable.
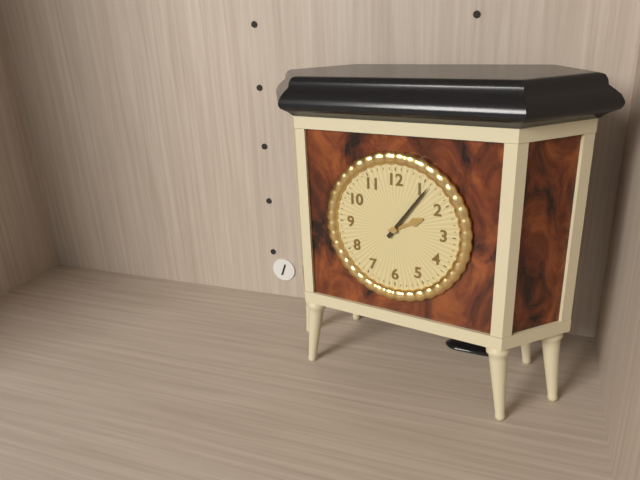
**2:06**
